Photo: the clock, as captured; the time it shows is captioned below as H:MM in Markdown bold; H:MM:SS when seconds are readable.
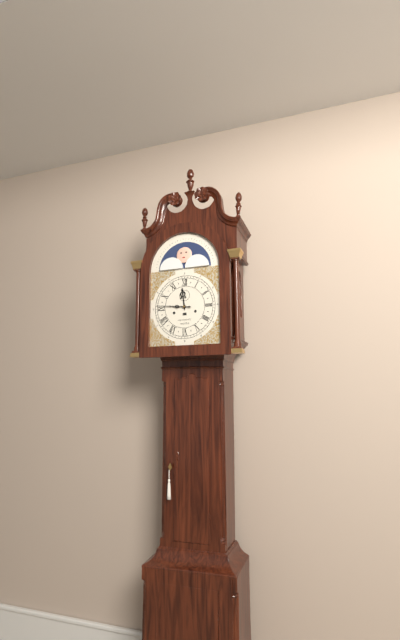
**11:46**
